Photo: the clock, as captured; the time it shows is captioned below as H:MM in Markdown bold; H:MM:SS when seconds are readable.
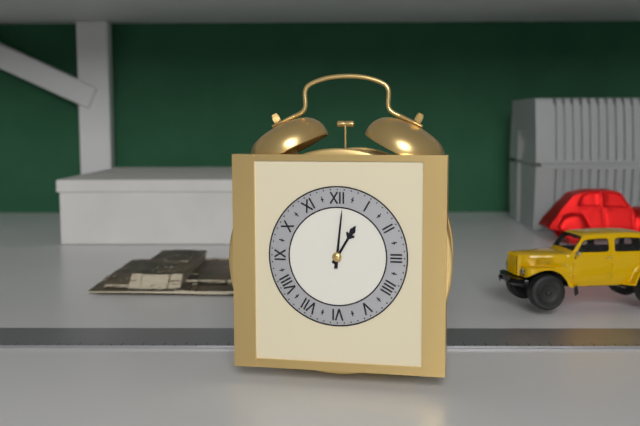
**1:01**
